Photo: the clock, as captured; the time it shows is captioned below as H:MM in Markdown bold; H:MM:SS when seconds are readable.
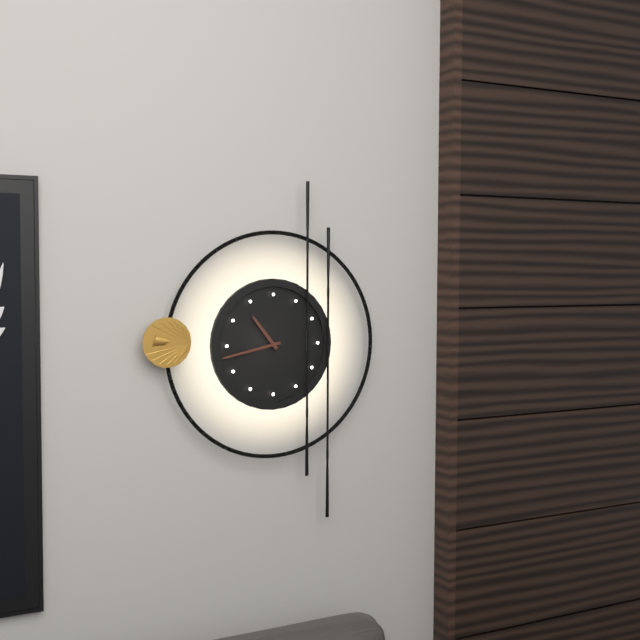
**10:43**
